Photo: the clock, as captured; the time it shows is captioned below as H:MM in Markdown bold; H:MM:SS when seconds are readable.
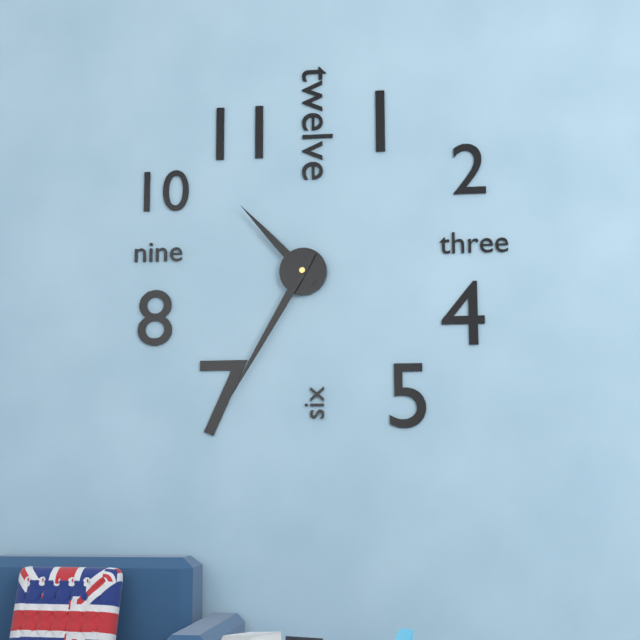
**10:35**
